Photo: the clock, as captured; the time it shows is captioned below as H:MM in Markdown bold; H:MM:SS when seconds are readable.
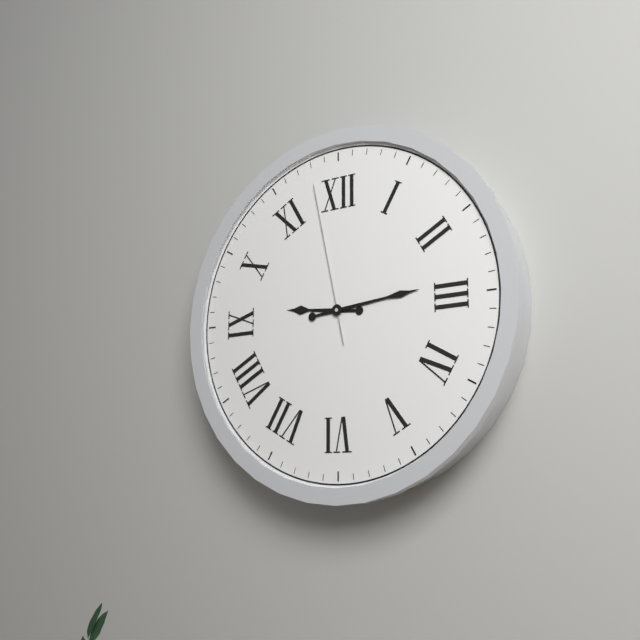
**9:14:58**
